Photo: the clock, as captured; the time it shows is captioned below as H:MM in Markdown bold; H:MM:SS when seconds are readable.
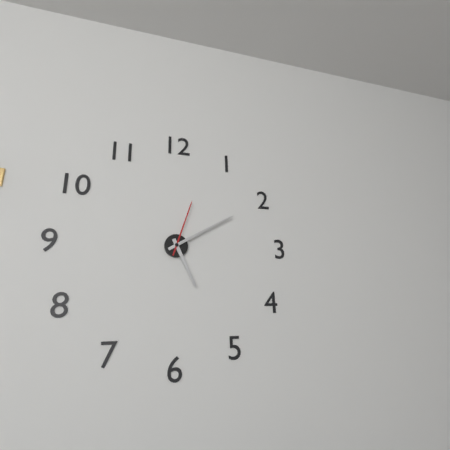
**5:10:03**
